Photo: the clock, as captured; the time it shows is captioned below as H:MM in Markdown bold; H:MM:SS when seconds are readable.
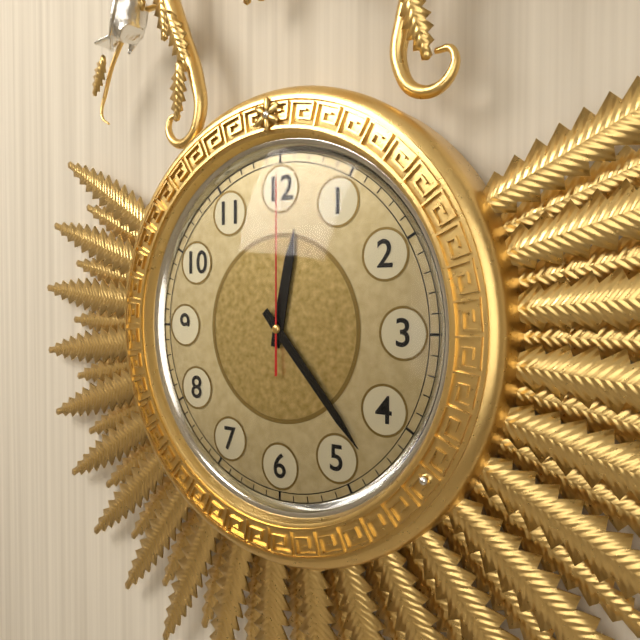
**12:23:00**
